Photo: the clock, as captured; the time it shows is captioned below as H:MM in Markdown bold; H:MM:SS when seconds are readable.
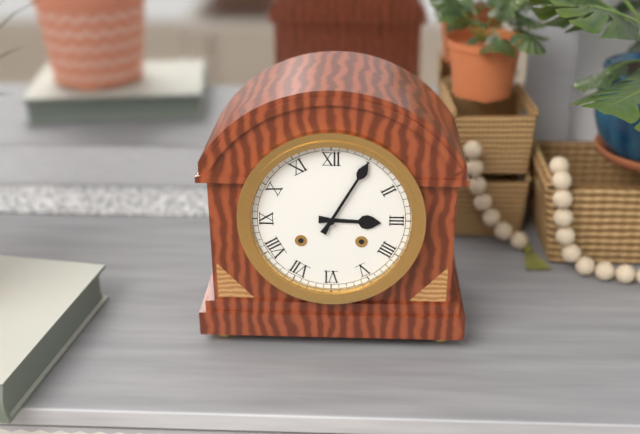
**3:05**
